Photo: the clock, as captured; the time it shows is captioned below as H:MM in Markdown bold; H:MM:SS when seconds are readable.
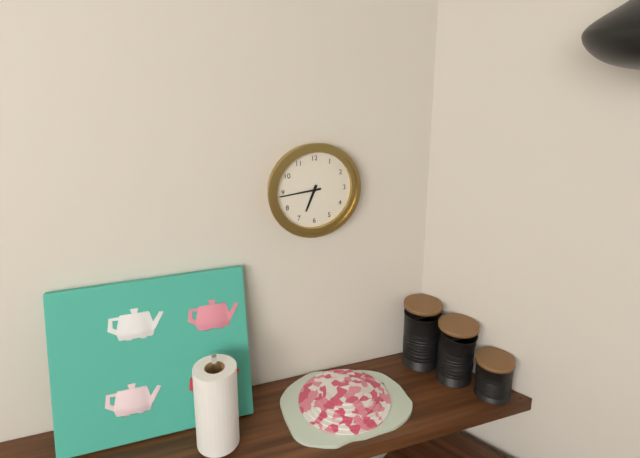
**6:44**
